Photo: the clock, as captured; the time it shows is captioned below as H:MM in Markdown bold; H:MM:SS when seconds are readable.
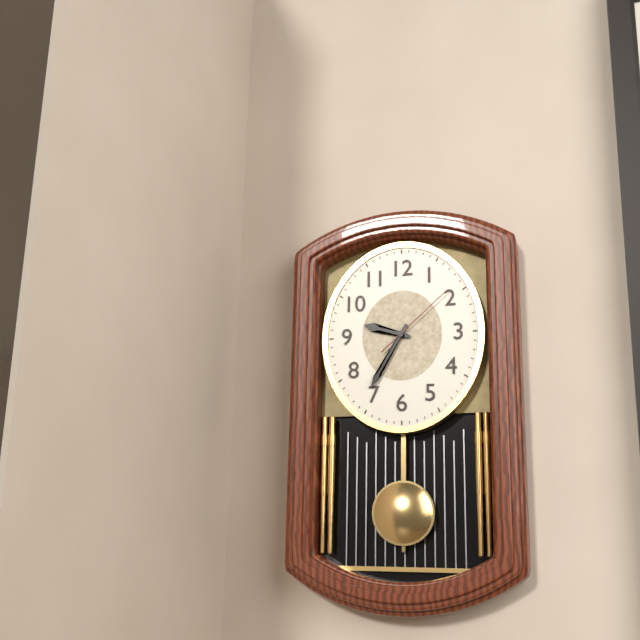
**9:35:08**
